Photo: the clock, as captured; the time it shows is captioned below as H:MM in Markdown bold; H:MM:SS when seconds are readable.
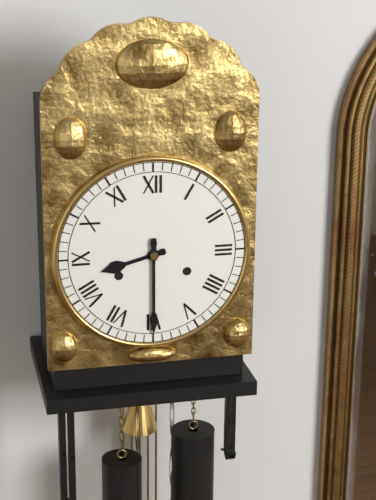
**8:30**
